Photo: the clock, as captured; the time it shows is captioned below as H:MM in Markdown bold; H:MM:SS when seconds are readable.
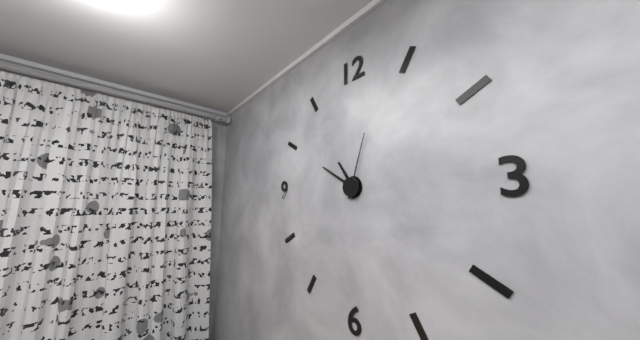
**10:50:03**
